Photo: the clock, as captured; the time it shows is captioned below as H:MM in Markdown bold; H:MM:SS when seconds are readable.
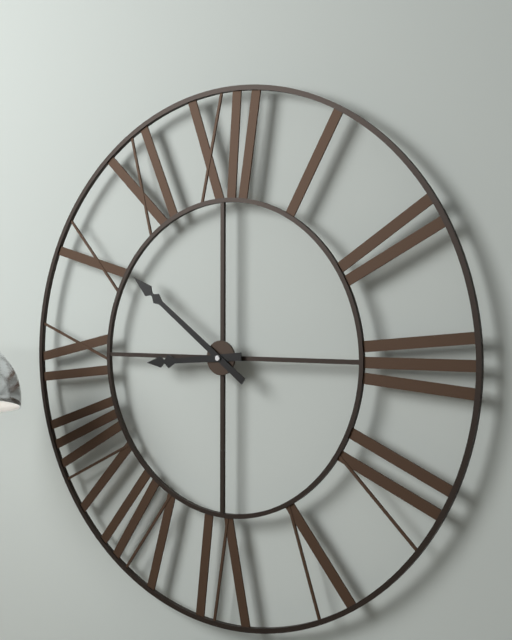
**8:51**
